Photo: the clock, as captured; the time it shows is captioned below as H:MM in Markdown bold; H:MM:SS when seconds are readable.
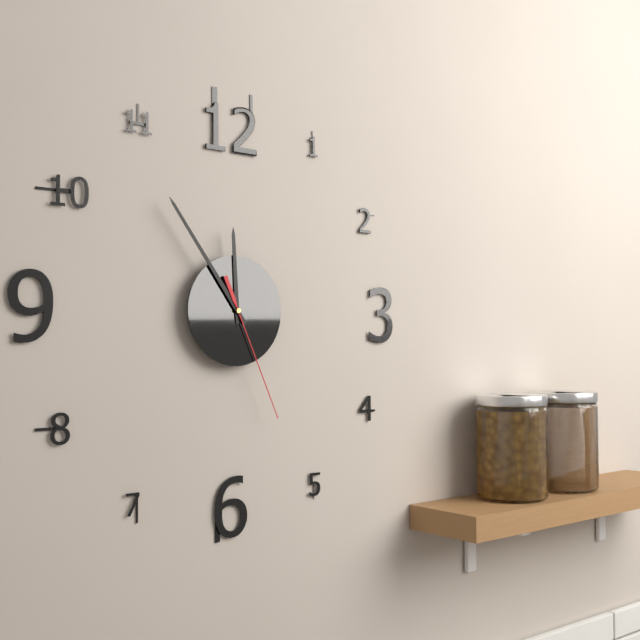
**11:54:26**
